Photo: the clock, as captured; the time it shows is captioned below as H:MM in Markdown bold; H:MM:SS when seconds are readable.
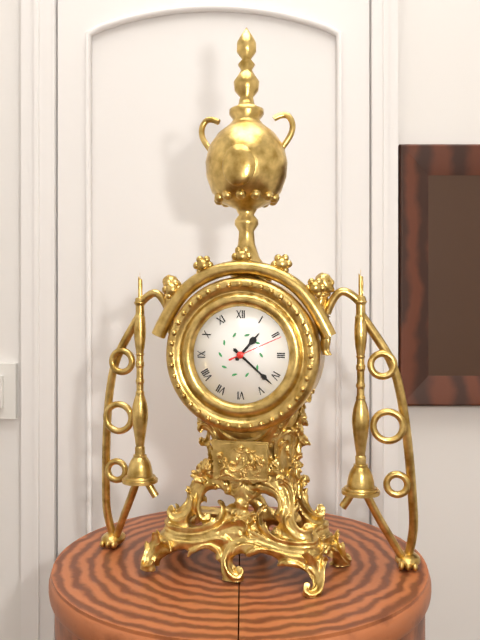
**1:22:11**
